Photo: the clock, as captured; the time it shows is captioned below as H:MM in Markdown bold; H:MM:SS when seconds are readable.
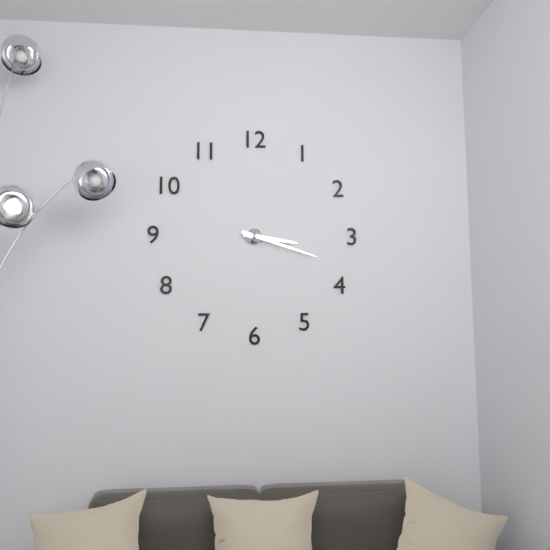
**3:18**
